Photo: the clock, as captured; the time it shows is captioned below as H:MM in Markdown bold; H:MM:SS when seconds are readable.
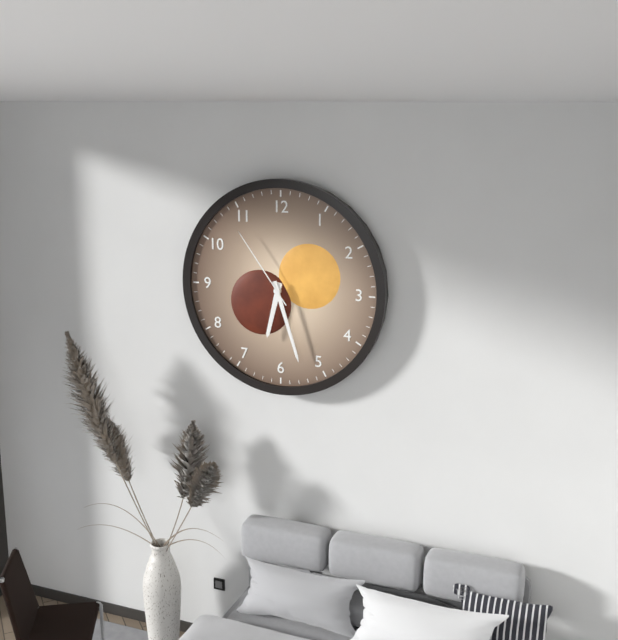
**6:27:54**
